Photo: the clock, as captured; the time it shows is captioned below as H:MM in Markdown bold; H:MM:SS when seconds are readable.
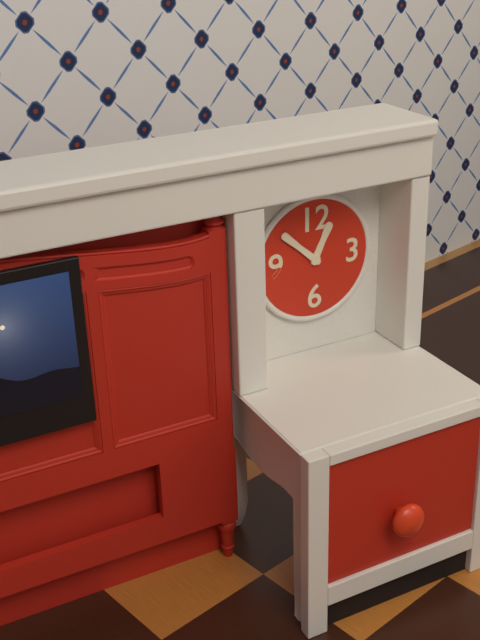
**12:52**
